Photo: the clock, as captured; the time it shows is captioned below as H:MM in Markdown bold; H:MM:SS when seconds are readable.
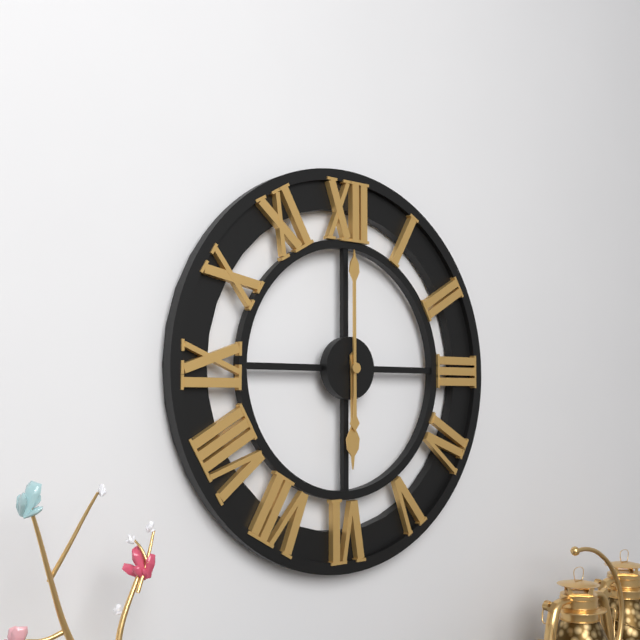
**6:00**
